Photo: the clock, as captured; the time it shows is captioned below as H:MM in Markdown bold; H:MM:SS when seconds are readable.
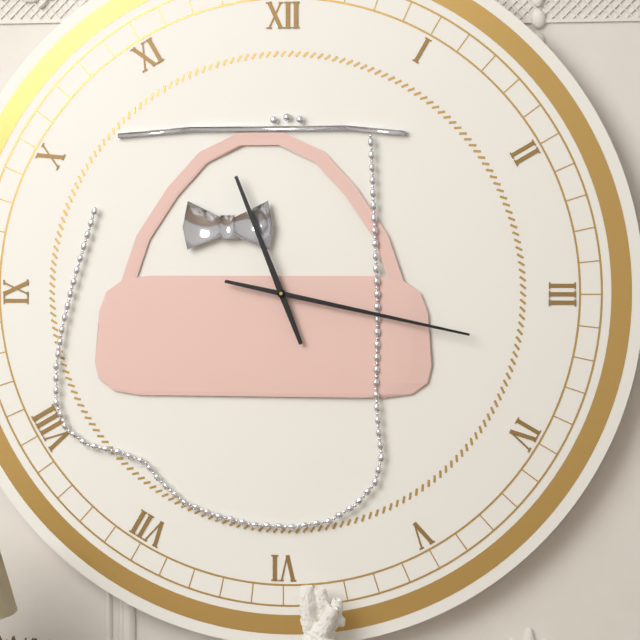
**11:17**
